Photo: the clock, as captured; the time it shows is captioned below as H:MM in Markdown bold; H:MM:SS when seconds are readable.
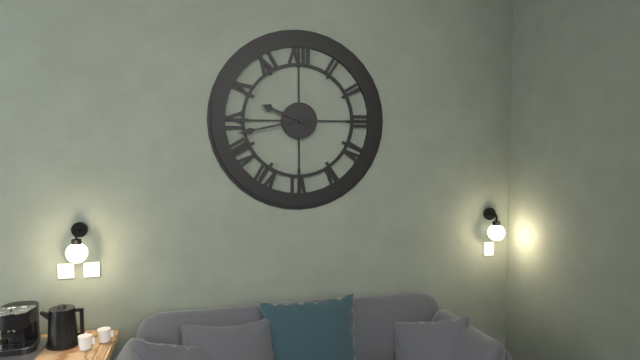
**9:43**
